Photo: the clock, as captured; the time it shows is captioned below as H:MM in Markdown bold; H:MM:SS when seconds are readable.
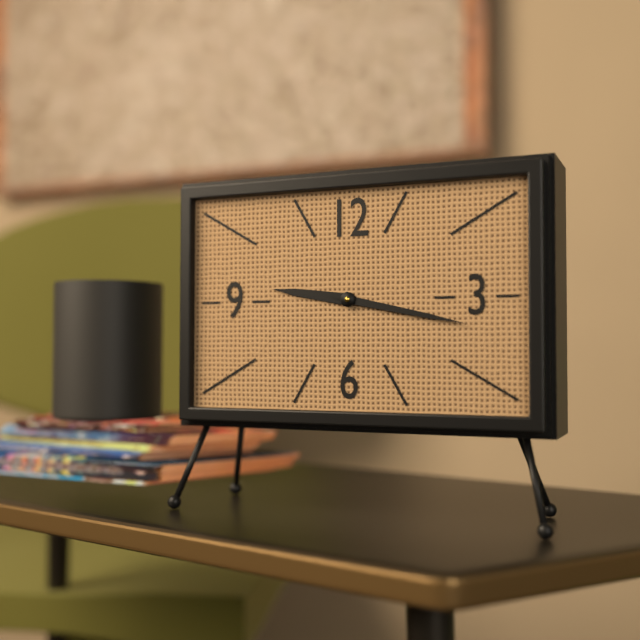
**9:17**
